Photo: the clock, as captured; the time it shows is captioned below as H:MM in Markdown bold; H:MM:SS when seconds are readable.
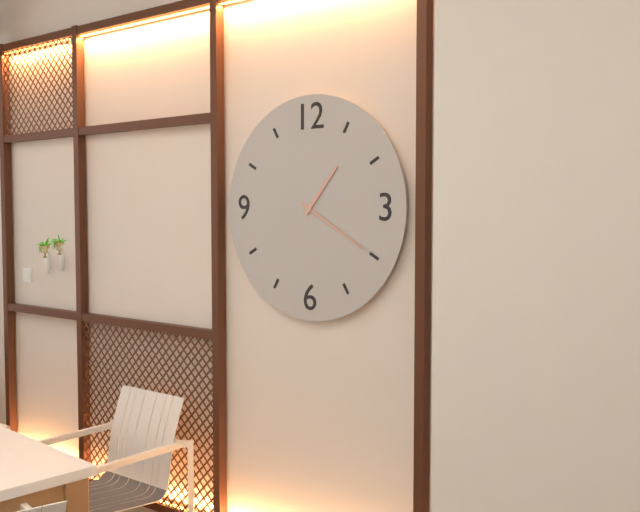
**1:20**
